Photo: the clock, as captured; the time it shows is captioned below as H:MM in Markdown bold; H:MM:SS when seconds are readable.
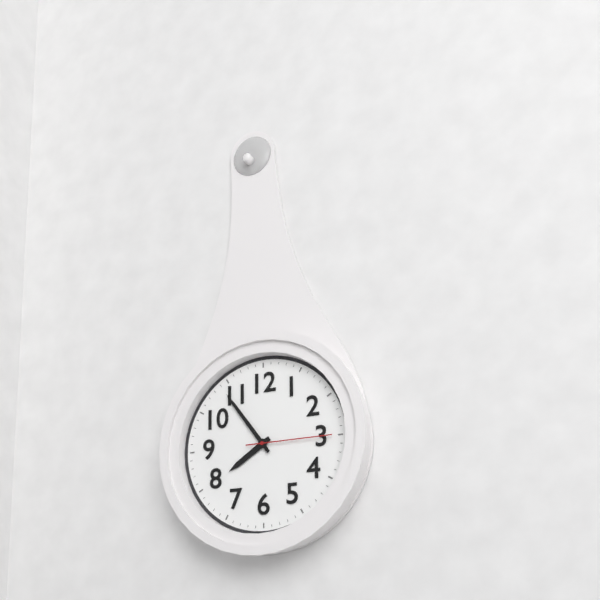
**7:54:15**
